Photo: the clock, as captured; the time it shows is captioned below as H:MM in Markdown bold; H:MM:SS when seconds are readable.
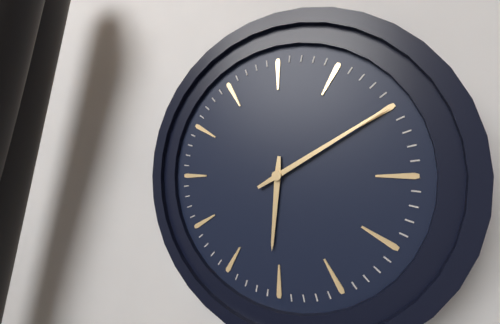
**6:10**
